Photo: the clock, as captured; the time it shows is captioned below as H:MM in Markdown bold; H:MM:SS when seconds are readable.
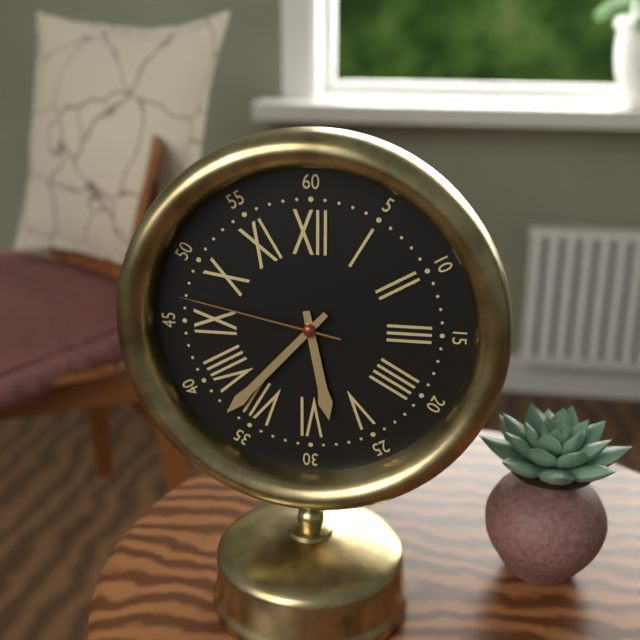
**5:37:47**
